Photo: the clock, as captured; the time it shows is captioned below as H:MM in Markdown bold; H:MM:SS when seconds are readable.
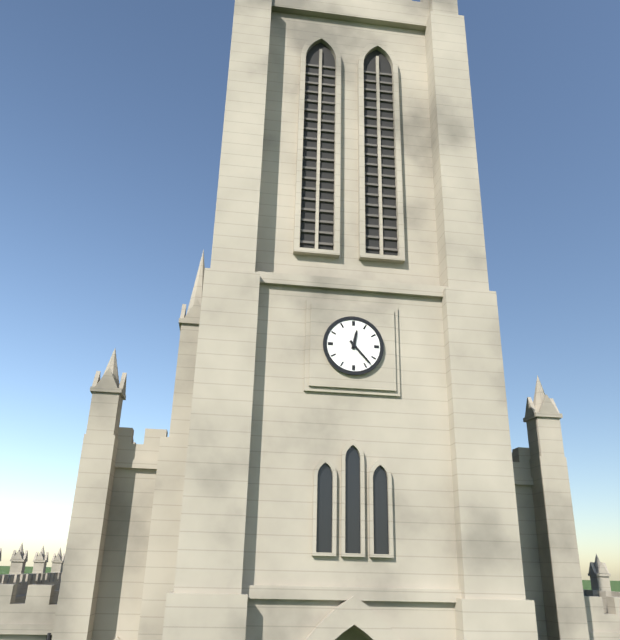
**12:23**
